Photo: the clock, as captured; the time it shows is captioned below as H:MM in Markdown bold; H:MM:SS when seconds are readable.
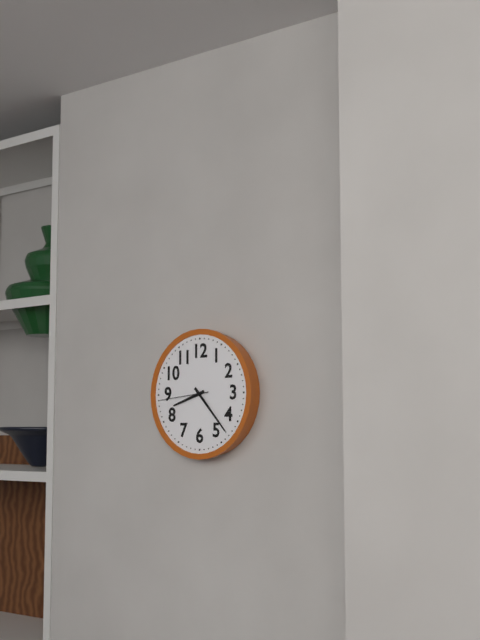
**8:23:44**
